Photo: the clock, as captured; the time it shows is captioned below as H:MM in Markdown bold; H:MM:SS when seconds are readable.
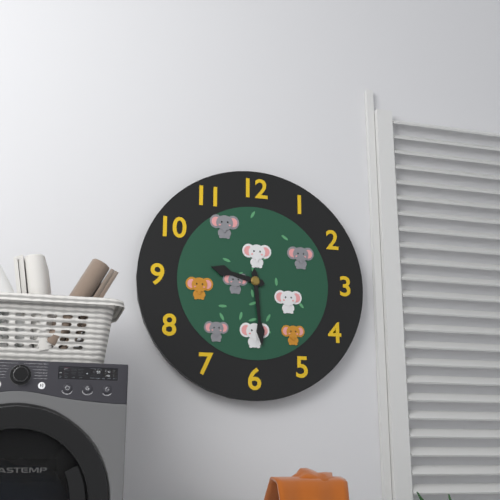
**9:29**
